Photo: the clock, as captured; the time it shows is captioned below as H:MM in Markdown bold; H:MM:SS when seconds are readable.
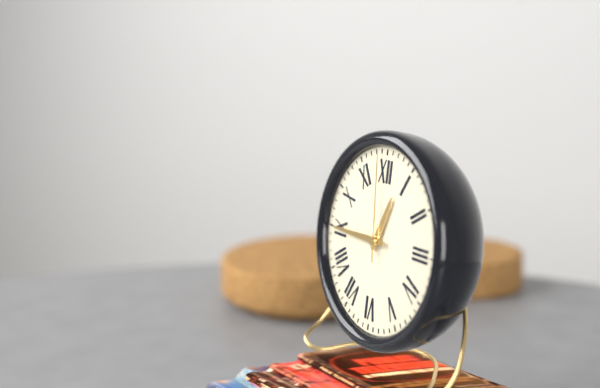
**12:45:59**
